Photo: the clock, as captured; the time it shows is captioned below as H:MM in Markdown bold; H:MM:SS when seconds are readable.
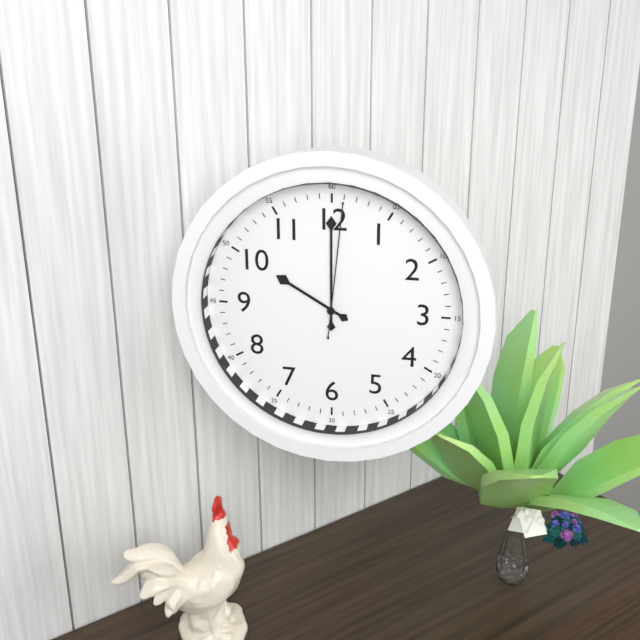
**10:00:01**
